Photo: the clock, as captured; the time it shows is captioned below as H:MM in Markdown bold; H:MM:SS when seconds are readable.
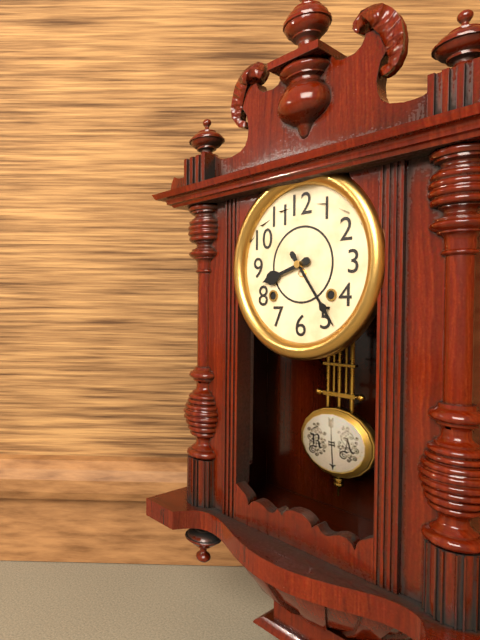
**8:24**
